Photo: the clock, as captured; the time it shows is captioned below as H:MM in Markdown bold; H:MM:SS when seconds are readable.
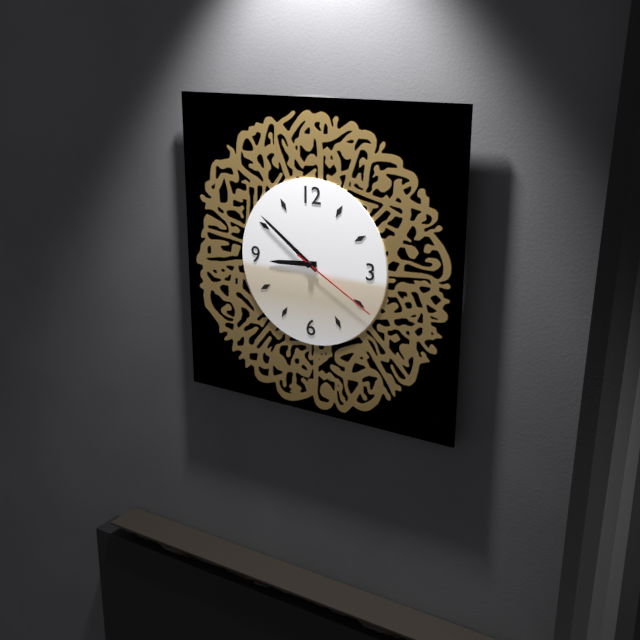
**8:51:20**
